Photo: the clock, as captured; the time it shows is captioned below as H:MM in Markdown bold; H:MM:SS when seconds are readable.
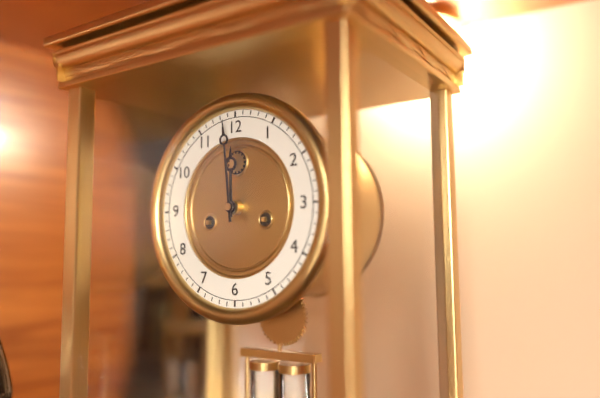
**11:59**
